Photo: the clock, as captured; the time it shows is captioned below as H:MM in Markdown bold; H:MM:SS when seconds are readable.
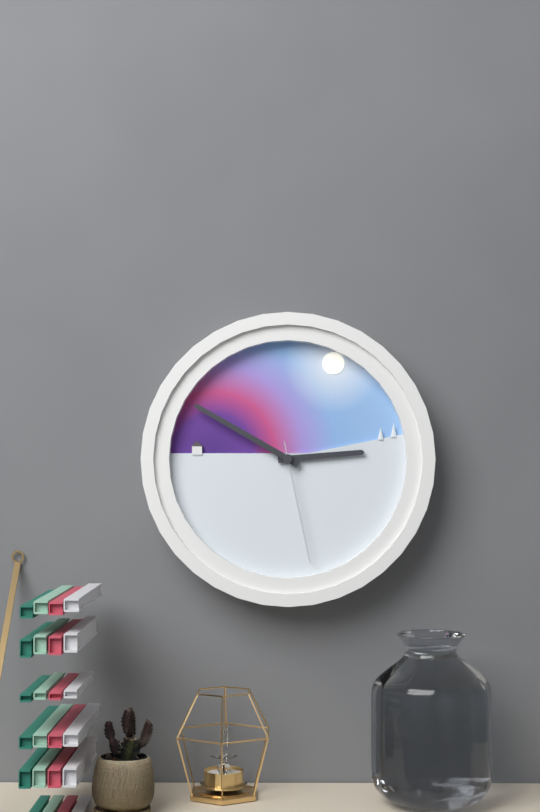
**2:50:28**
